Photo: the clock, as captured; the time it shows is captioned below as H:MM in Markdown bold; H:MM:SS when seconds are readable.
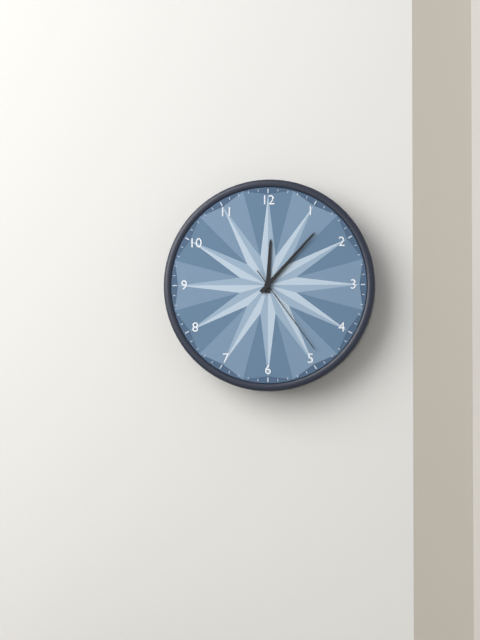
**12:07:24**
